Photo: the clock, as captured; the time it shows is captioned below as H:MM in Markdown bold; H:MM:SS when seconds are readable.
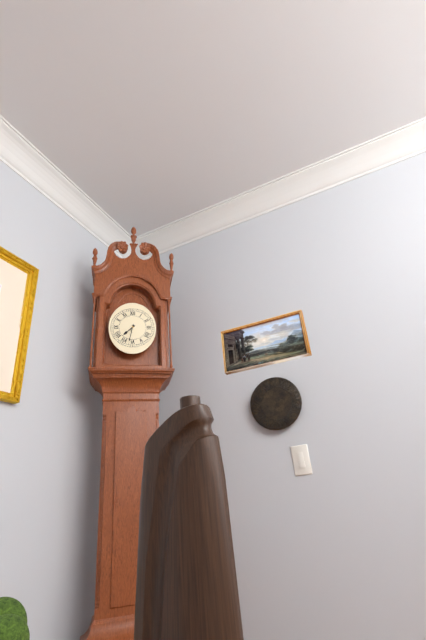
**7:32**
